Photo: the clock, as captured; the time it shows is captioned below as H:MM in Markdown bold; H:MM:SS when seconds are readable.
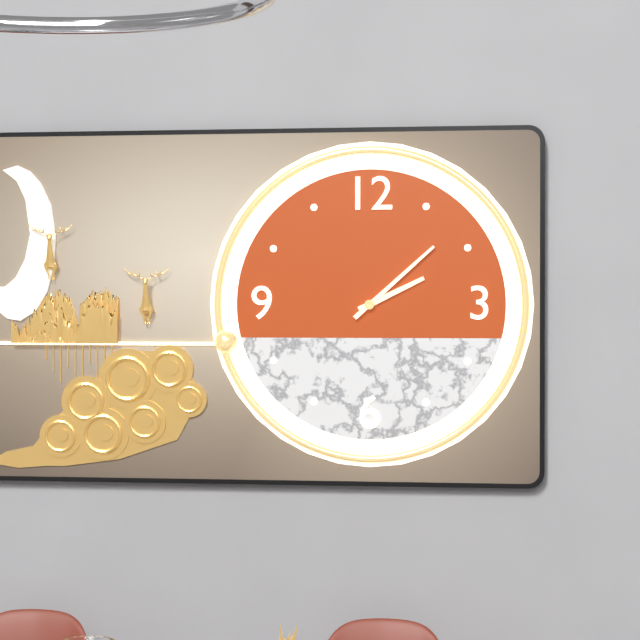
**2:08**
